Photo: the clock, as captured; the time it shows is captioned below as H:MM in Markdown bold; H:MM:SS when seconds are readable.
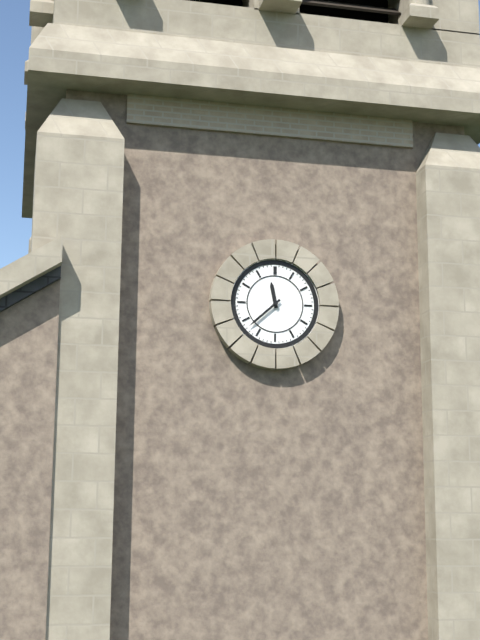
**11:38**
